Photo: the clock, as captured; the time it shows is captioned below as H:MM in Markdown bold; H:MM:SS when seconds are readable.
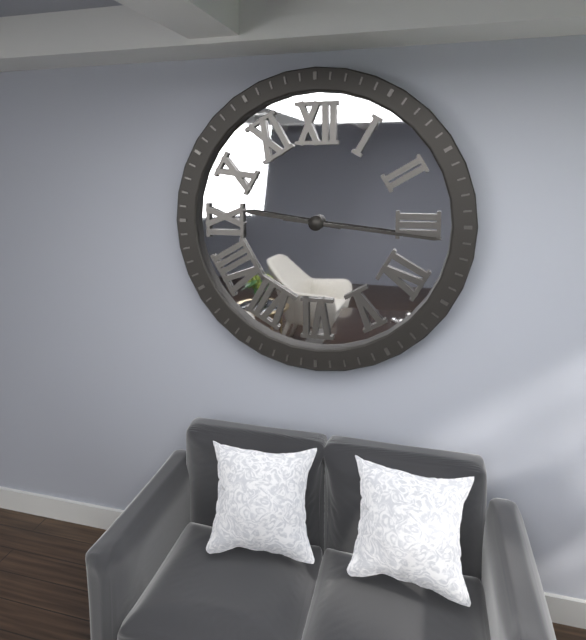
**9:16**
